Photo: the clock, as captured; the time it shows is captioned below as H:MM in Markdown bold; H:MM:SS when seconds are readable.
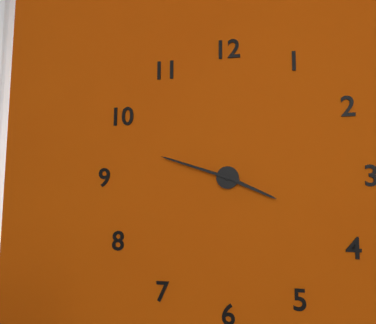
**3:48**
